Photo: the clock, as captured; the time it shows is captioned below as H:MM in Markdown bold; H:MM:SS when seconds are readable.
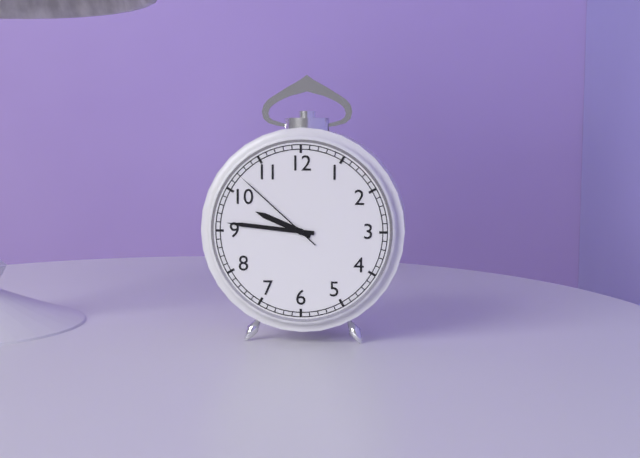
**9:46:52**
